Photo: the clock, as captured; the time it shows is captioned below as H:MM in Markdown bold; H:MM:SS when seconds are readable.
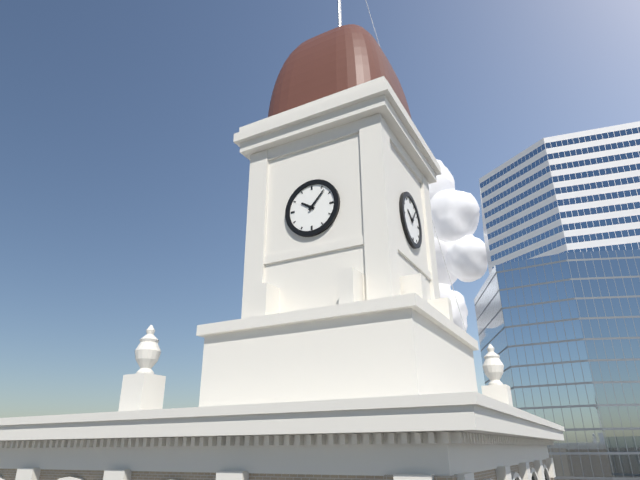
**10:07**
